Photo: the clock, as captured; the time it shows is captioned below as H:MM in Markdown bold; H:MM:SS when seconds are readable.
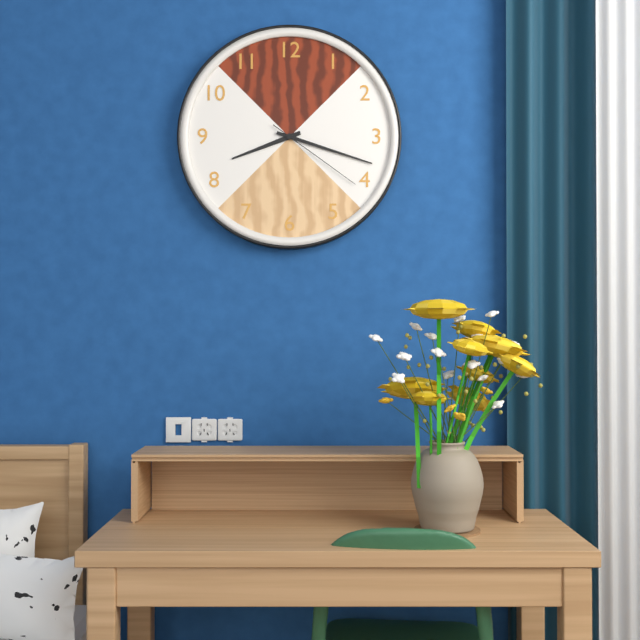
**8:18:21**
